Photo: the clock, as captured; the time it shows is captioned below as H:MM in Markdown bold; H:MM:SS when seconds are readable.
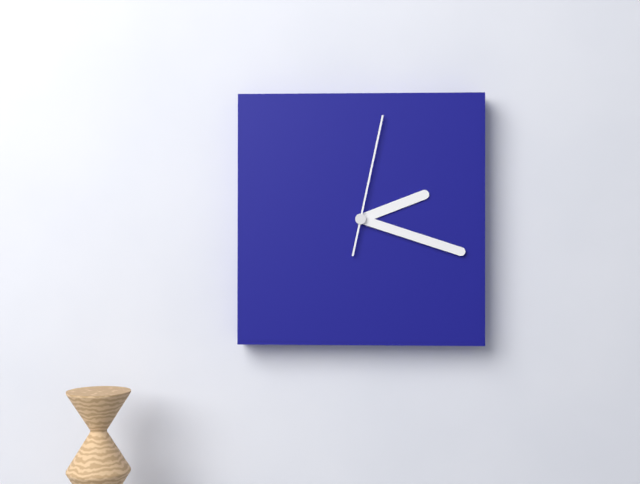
**2:18:02**
